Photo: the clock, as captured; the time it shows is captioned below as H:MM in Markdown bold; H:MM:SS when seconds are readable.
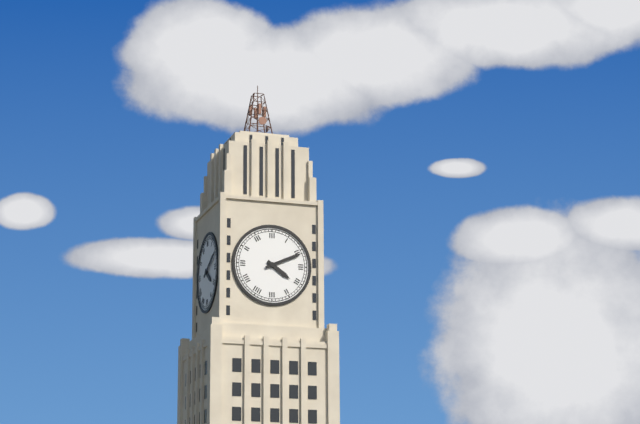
**4:11**
